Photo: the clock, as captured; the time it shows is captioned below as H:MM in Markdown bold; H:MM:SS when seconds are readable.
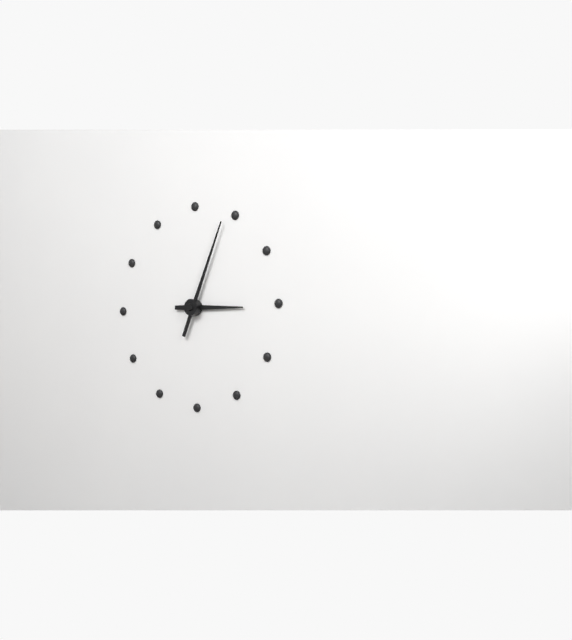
**3:04**
